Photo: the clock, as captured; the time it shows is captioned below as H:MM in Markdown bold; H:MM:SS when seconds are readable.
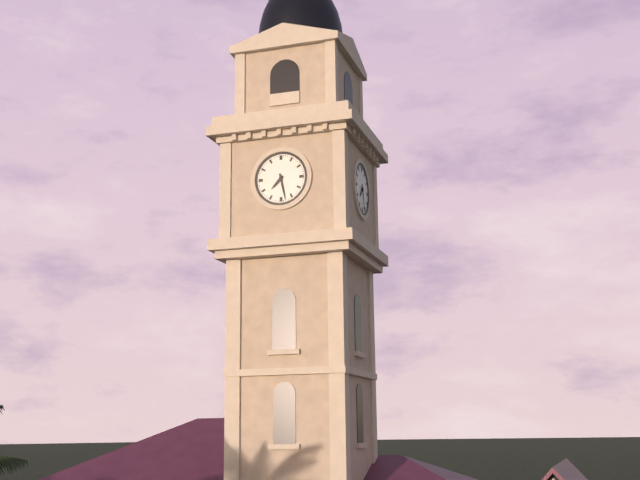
**7:28**
